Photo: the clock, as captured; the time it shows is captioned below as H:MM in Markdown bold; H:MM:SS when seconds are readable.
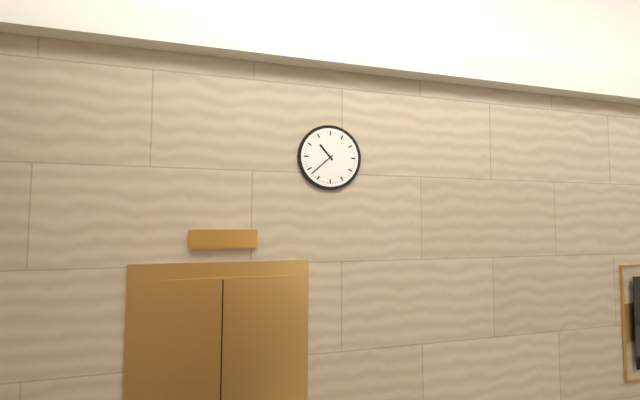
**10:38**
